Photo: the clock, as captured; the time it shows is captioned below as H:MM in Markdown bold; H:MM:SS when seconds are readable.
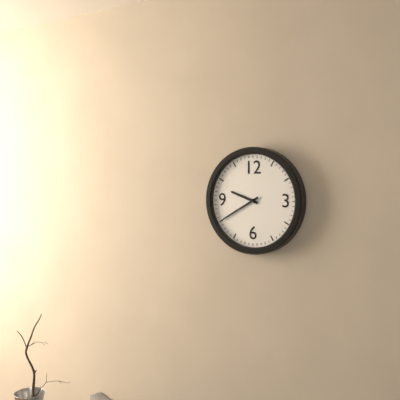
**9:40**
